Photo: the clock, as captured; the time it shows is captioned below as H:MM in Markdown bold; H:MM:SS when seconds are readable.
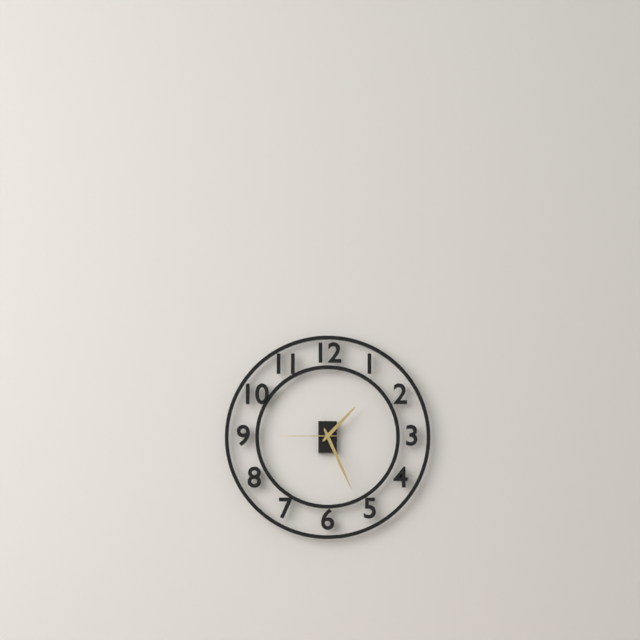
**1:26:45**
